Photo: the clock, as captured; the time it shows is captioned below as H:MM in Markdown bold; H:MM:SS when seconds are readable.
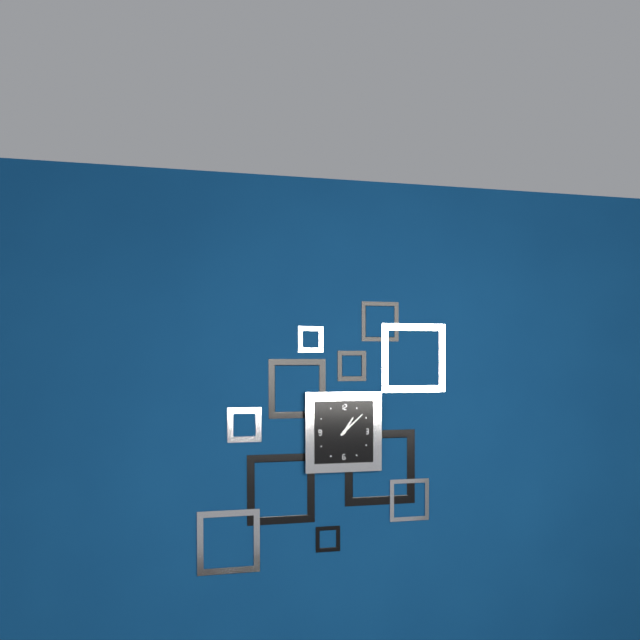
**1:08**
